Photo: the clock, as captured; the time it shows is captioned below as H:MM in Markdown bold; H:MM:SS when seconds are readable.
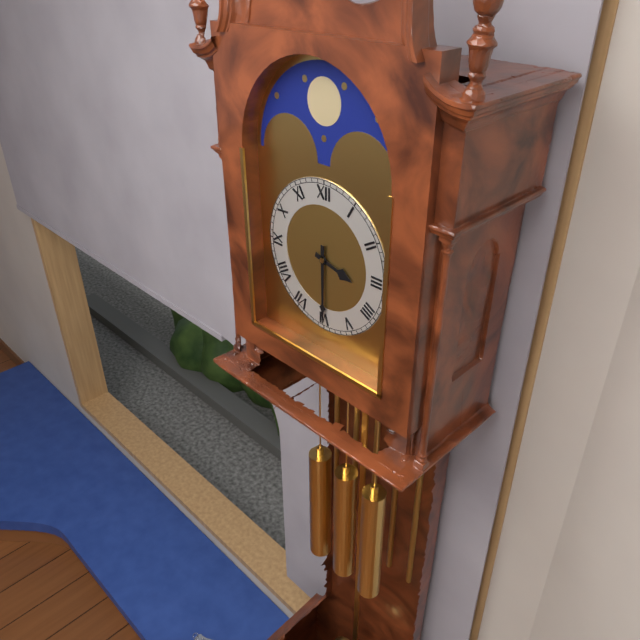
**3:30**
